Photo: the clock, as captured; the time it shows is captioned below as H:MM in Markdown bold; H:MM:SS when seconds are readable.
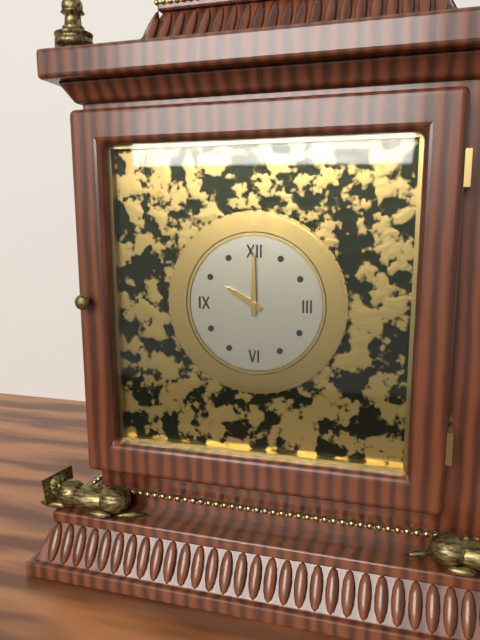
**10:00**
